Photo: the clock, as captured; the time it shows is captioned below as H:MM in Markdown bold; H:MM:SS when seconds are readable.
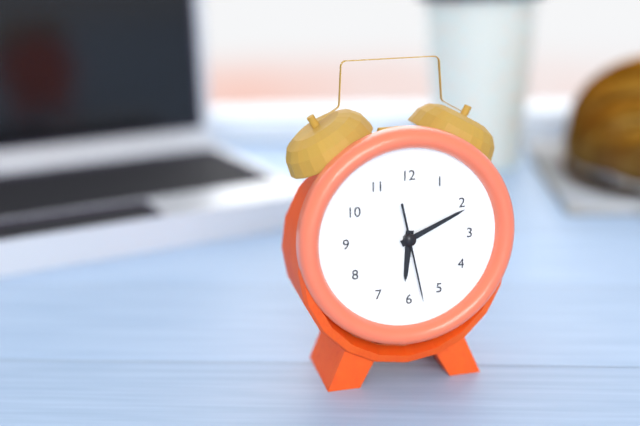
**6:11:28**
